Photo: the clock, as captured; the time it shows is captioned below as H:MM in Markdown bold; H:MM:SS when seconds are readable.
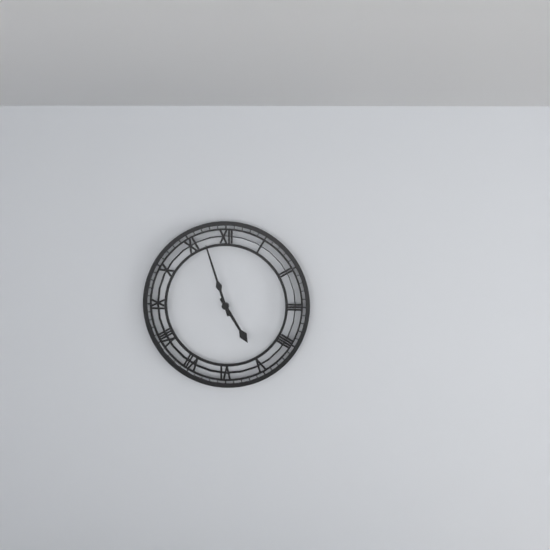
**4:57**
